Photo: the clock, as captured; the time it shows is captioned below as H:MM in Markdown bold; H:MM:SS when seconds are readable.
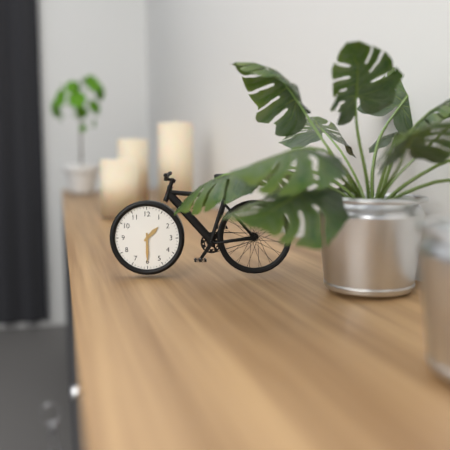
**1:30**
